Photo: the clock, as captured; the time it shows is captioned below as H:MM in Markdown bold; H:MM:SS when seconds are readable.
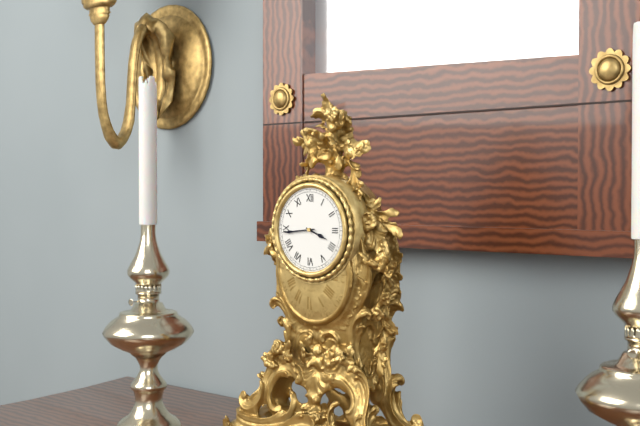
**3:44**
